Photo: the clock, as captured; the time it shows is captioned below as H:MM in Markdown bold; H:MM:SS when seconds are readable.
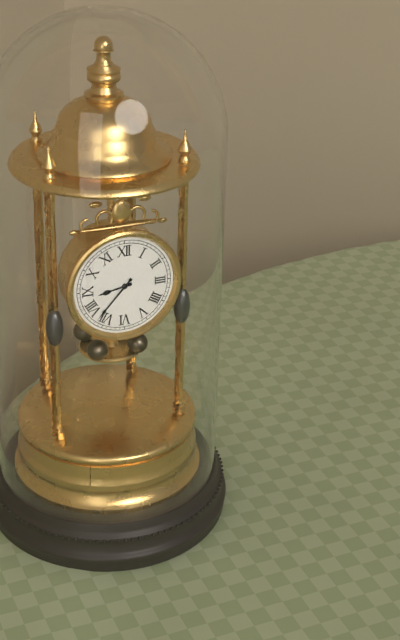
**8:37**
